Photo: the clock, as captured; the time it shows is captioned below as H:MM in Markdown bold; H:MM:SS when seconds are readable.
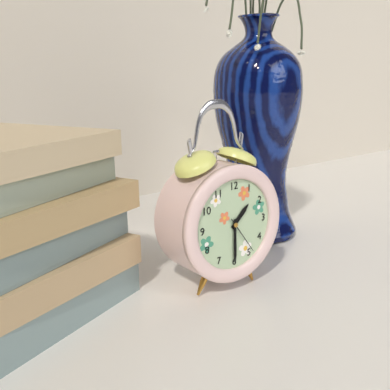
**1:30**
